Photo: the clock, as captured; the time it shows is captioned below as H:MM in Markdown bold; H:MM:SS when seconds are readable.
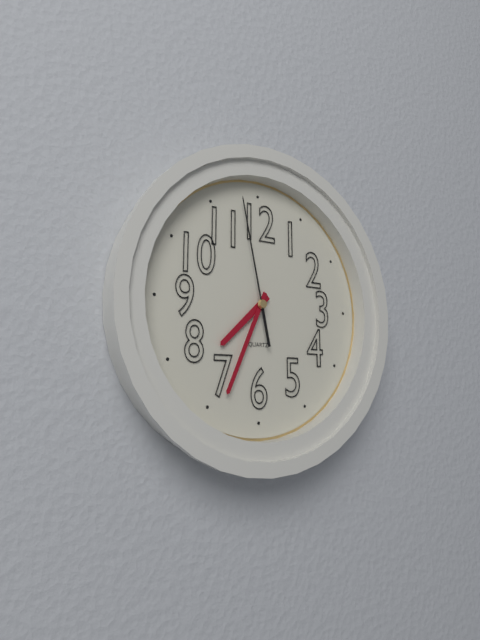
**7:34:58**
